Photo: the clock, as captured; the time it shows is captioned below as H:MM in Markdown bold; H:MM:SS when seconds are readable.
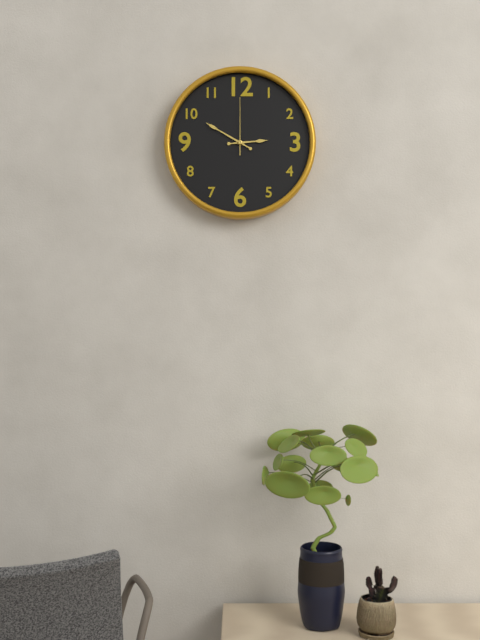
**2:50:00**
